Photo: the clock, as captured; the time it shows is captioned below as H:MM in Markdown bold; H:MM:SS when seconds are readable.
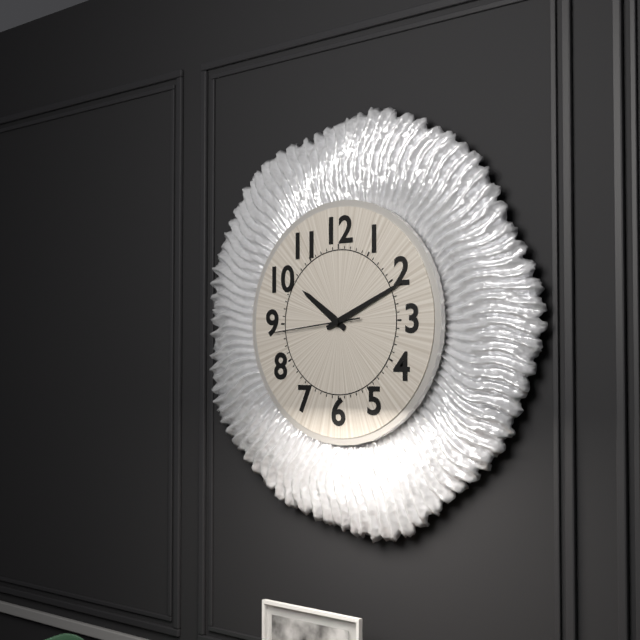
**10:11:44**
